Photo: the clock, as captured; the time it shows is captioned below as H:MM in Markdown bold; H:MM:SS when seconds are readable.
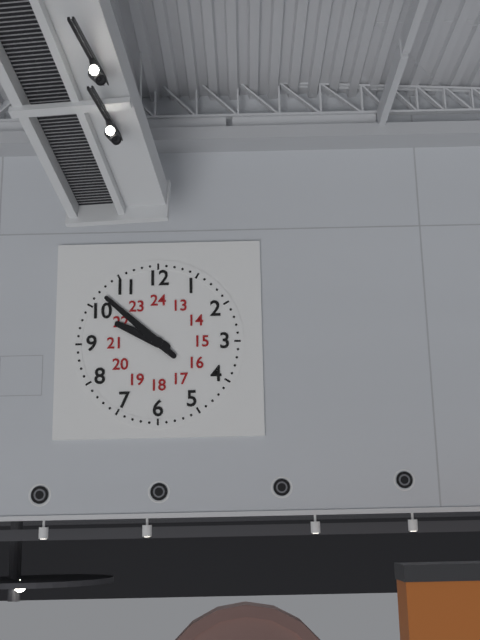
**9:52**
